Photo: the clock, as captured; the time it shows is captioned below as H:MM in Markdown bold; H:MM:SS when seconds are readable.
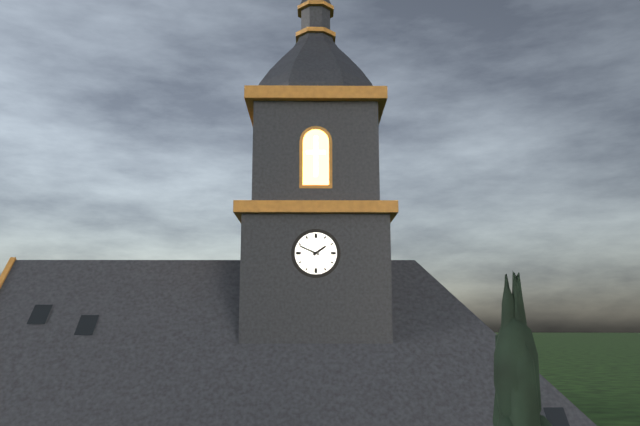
**1:49**
